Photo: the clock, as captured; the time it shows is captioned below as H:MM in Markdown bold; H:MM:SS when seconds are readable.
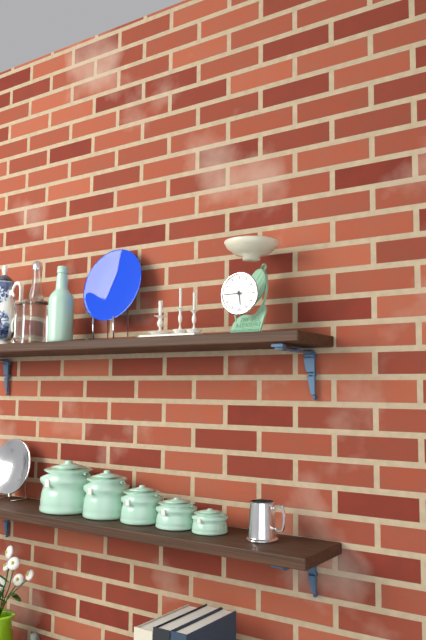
**5:45**
